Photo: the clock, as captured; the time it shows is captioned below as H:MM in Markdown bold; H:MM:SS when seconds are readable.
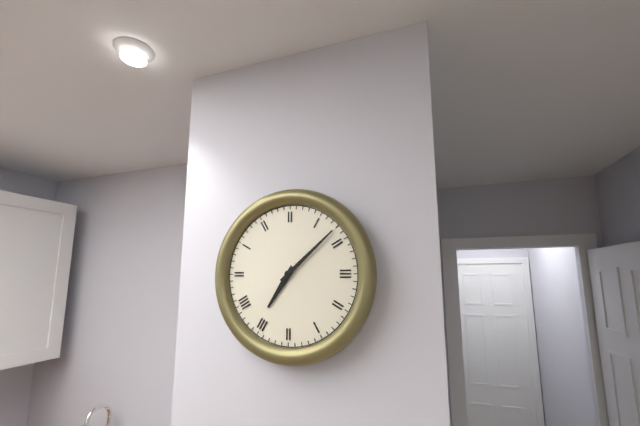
**7:08**
